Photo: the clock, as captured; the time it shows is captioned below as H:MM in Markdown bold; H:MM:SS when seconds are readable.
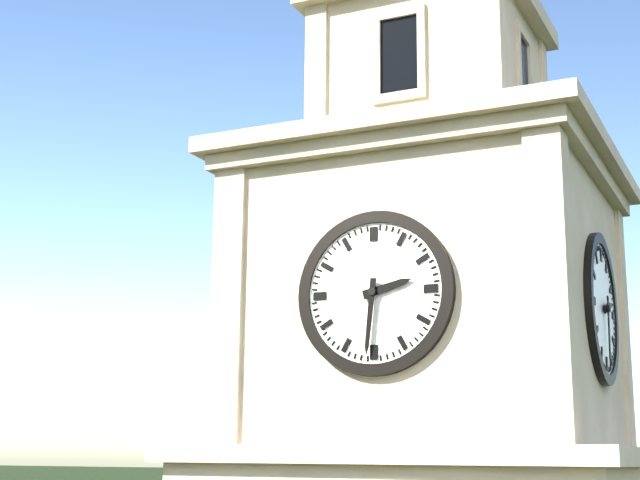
**2:31**
